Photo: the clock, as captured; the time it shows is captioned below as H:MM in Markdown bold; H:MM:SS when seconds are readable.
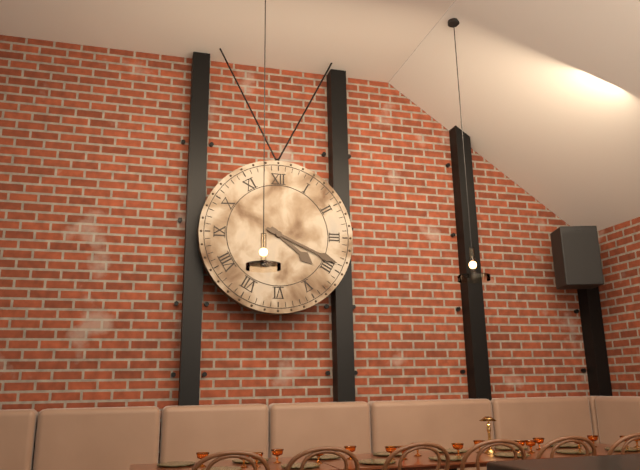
**4:19**
